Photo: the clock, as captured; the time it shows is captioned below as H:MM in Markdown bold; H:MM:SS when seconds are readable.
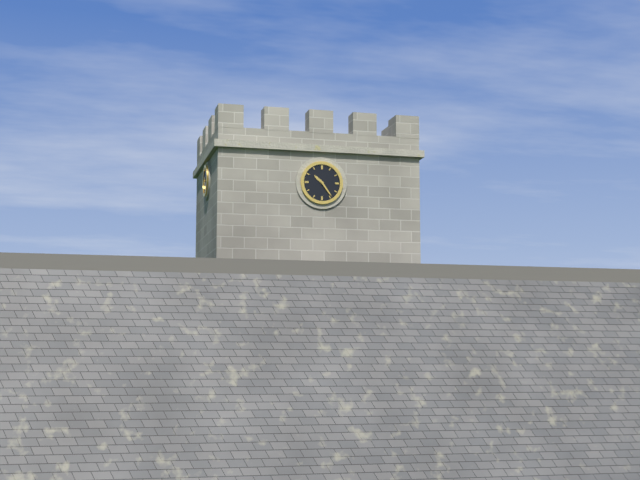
**10:24**
